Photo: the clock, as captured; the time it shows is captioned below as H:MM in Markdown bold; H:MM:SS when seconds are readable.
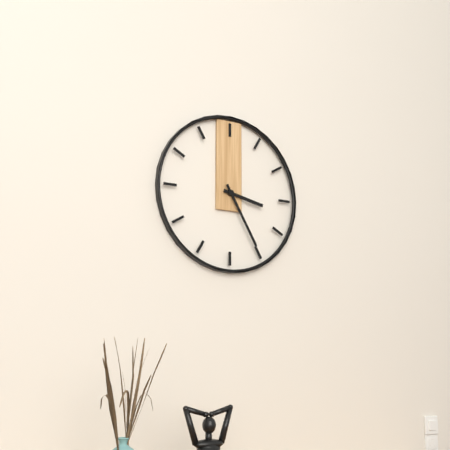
**3:25**
